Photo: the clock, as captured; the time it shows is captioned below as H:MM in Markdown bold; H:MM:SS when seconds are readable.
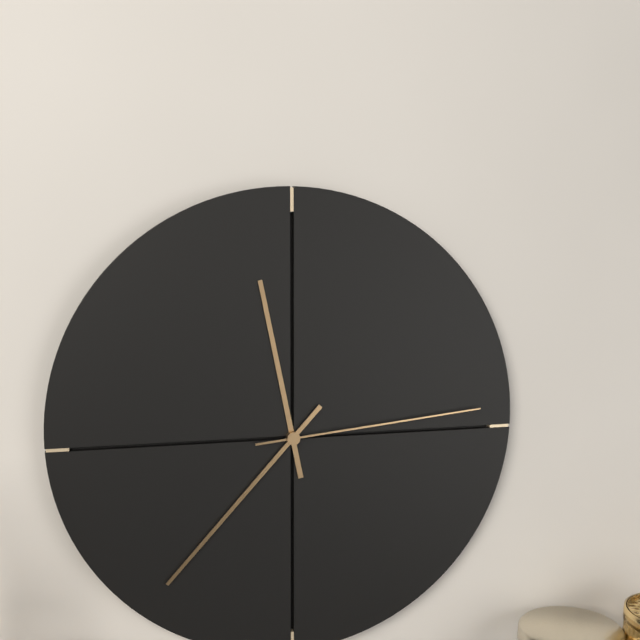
**11:37:14**
